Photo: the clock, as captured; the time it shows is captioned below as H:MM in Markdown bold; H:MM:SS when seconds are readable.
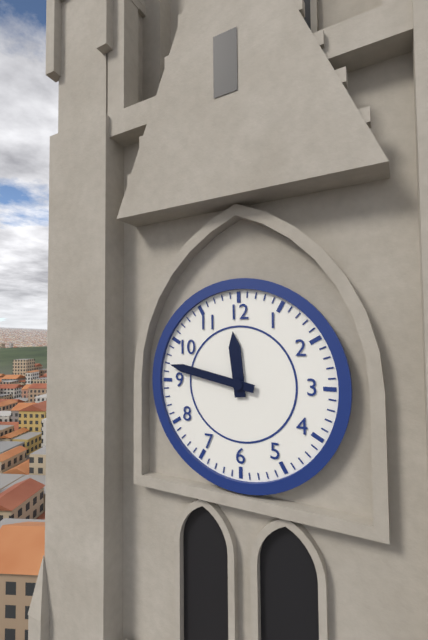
**11:47**
